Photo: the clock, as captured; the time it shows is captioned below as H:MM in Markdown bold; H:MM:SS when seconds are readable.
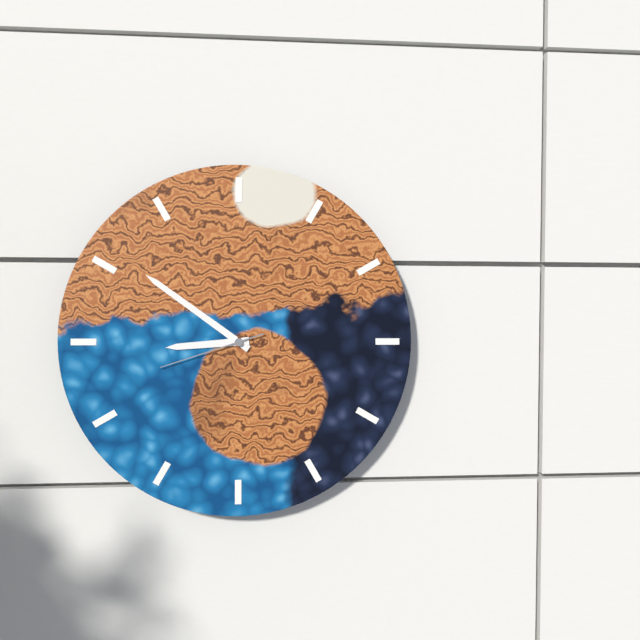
**8:51:42**
